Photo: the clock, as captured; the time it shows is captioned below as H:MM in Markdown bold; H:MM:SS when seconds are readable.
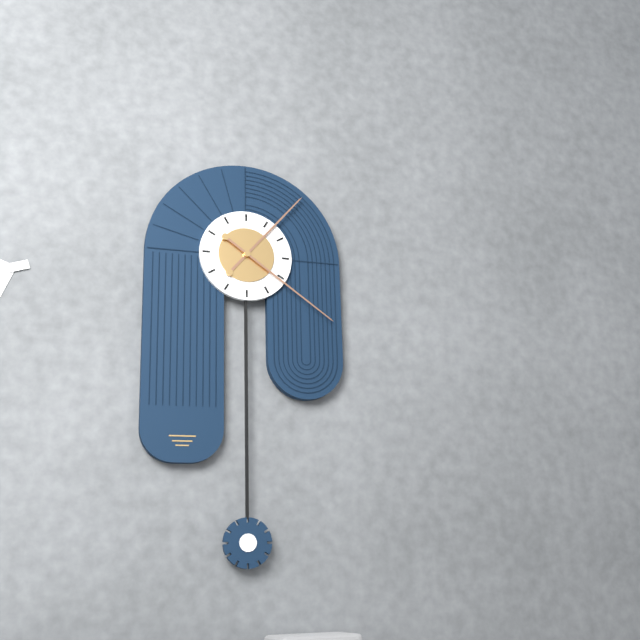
**1:21**
